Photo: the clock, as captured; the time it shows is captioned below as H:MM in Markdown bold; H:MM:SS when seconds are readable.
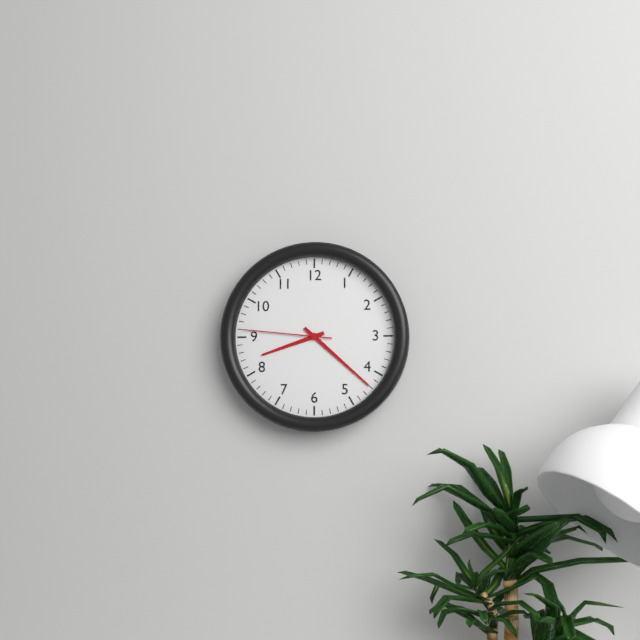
**8:22:46**
